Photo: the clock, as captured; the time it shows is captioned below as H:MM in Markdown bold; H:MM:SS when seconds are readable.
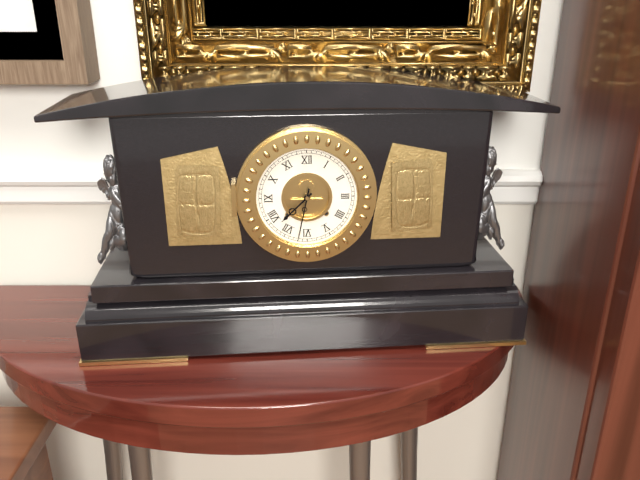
**7:32**
